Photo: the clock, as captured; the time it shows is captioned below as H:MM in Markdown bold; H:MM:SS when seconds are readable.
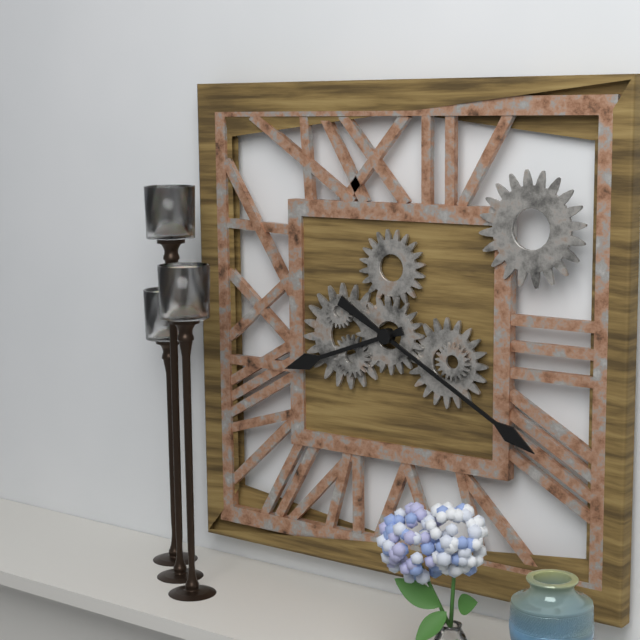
**8:20**
